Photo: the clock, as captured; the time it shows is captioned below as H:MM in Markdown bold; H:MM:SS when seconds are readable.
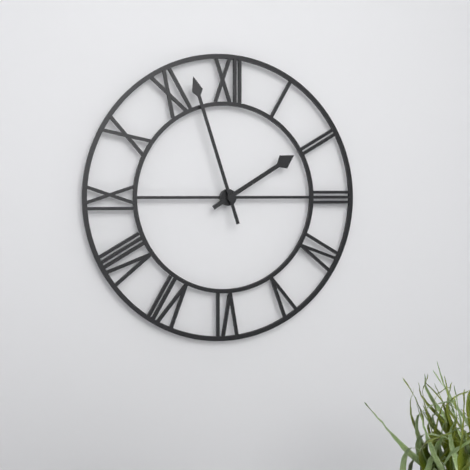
**1:57**
